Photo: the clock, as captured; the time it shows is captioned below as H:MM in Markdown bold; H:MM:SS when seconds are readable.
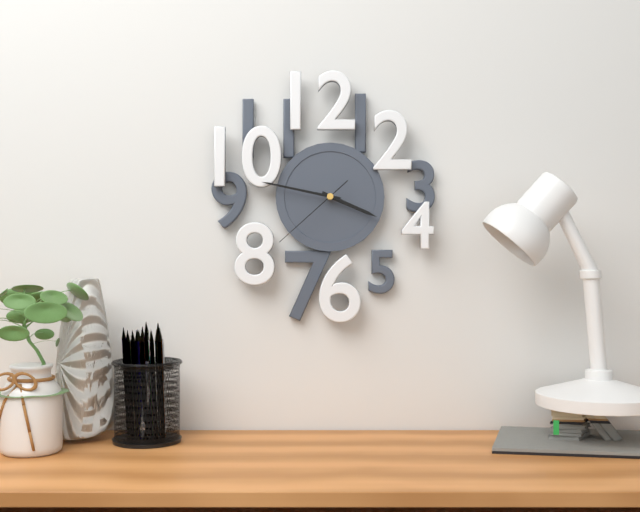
**3:47:38**
